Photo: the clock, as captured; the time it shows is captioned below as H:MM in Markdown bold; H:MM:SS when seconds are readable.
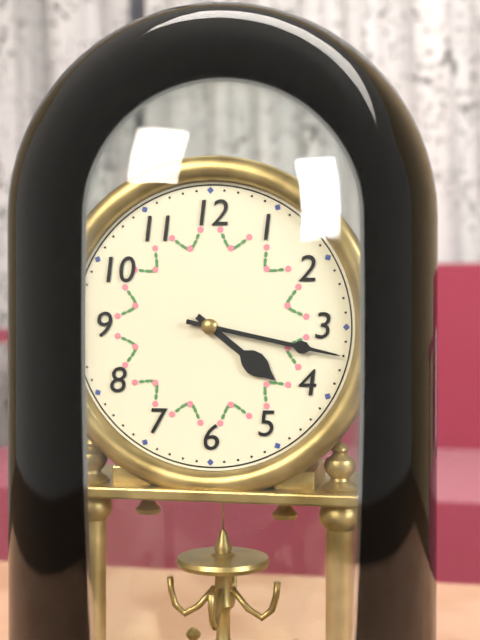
**4:17**
